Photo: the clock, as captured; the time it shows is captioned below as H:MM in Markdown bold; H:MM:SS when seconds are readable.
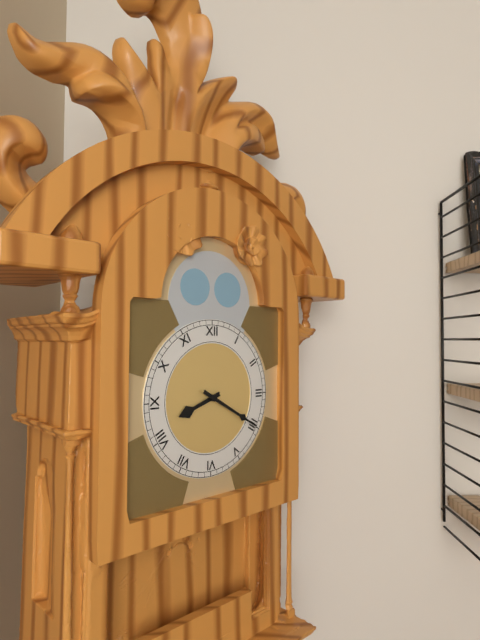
**8:20**
